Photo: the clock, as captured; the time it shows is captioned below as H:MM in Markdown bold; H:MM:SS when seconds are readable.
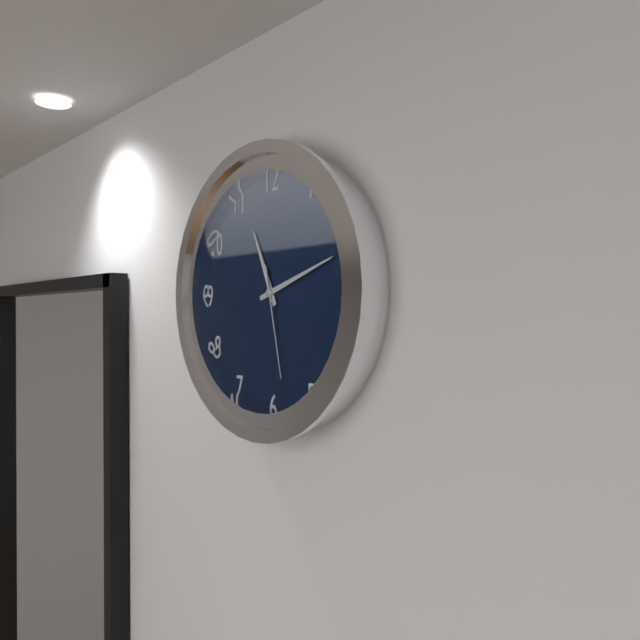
**11:12:28**
